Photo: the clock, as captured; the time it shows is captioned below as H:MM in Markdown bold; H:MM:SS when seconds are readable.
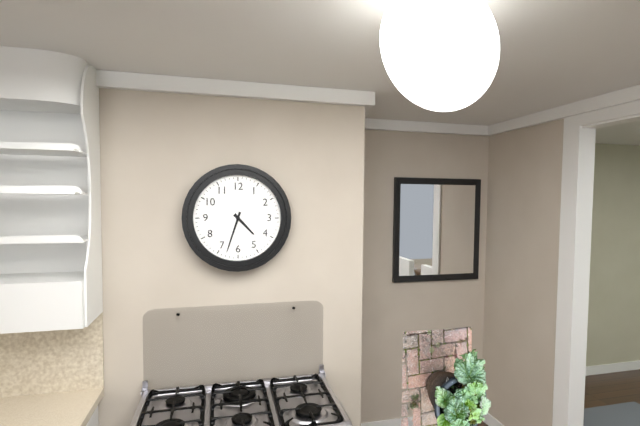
**4:33**
